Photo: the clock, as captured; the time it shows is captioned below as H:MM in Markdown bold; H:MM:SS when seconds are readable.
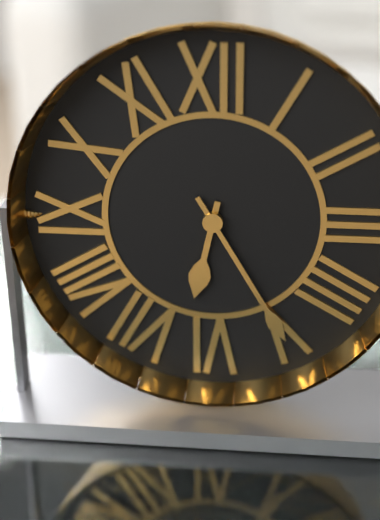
**6:25**
